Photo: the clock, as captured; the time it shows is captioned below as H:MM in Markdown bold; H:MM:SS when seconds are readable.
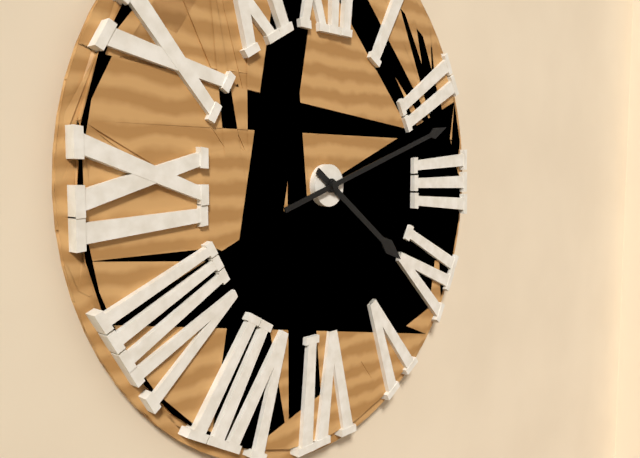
**4:12**
